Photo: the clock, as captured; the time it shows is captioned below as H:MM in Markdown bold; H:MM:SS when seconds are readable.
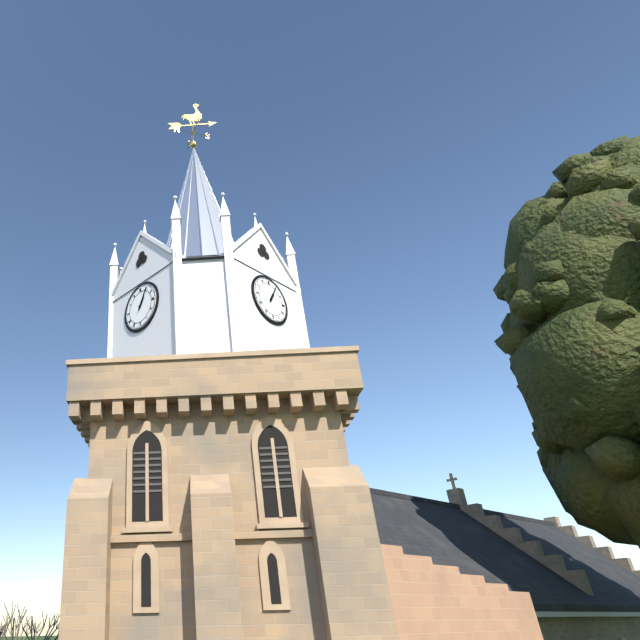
**1:05**
